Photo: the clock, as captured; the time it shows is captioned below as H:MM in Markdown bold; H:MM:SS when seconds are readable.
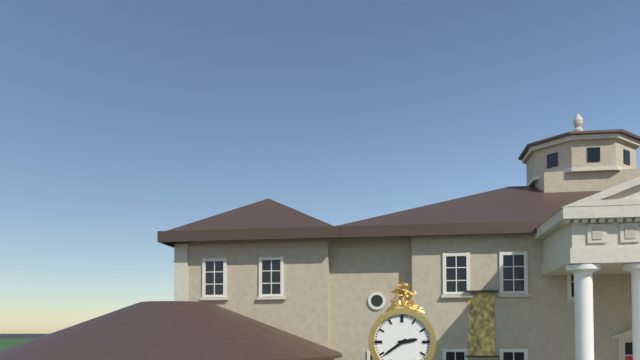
**2:39**
